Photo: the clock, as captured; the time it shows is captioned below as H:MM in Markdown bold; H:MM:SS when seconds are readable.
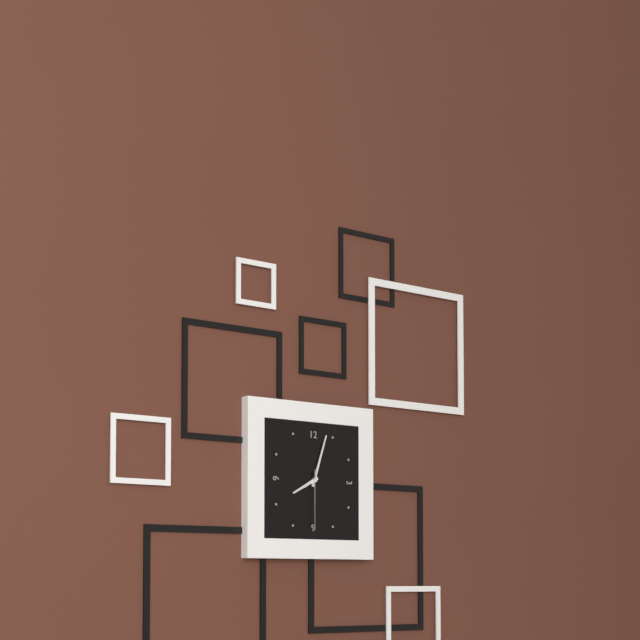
**8:03:30**
